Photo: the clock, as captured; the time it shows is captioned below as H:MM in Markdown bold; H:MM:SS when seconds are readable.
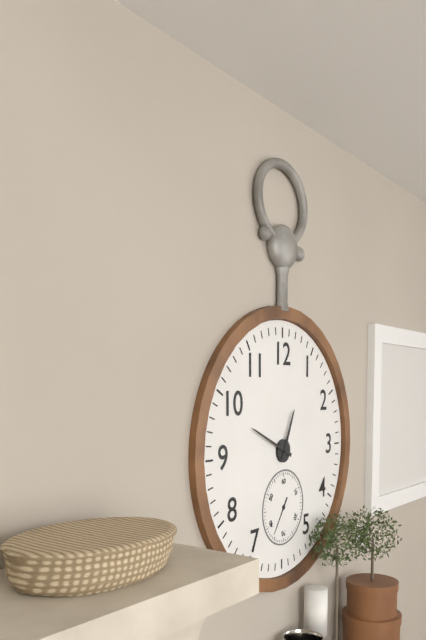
**12:49**
